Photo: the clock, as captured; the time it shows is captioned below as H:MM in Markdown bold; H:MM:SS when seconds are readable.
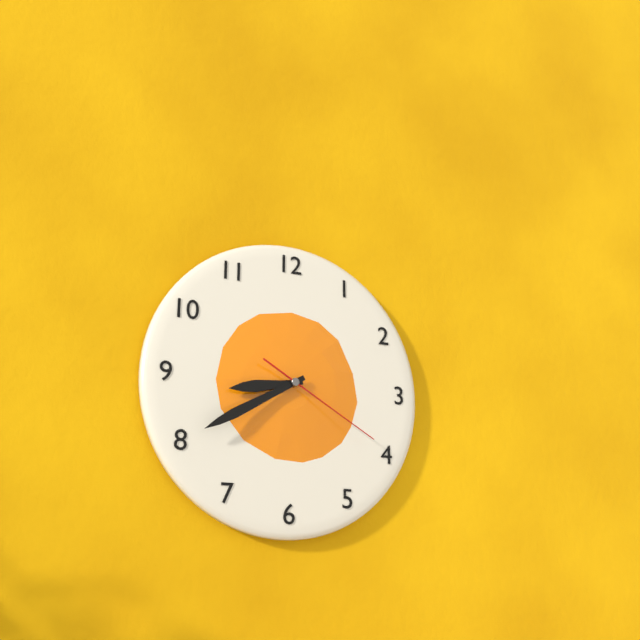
**8:40:20**
